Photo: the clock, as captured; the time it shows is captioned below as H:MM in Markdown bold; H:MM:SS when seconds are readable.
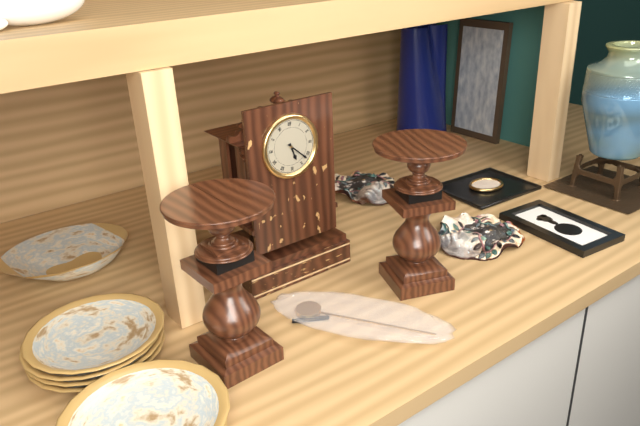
**5:22**
